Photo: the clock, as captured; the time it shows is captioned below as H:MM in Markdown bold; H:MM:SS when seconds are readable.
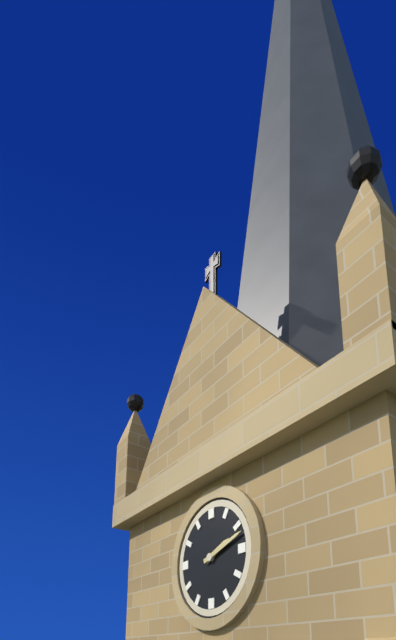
**2:12**
